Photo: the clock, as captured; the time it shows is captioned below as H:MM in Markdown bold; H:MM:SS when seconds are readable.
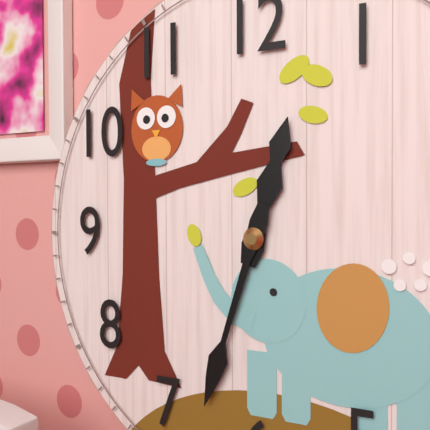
**12:33**
